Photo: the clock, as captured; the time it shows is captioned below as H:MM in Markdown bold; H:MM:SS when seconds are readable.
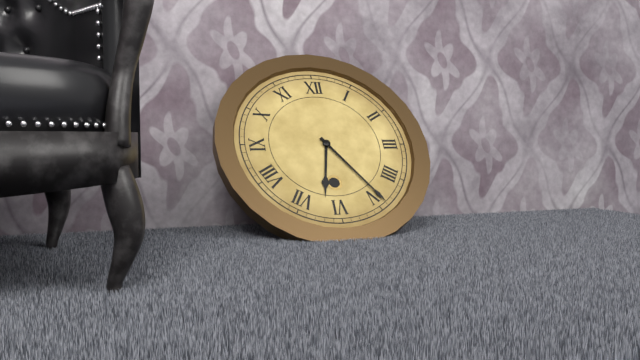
**6:24**
